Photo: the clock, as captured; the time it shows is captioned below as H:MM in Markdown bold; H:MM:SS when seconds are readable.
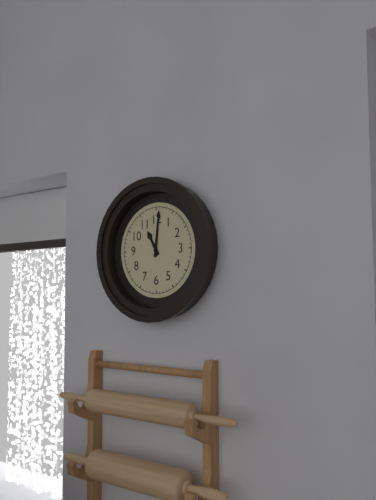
**11:01**
